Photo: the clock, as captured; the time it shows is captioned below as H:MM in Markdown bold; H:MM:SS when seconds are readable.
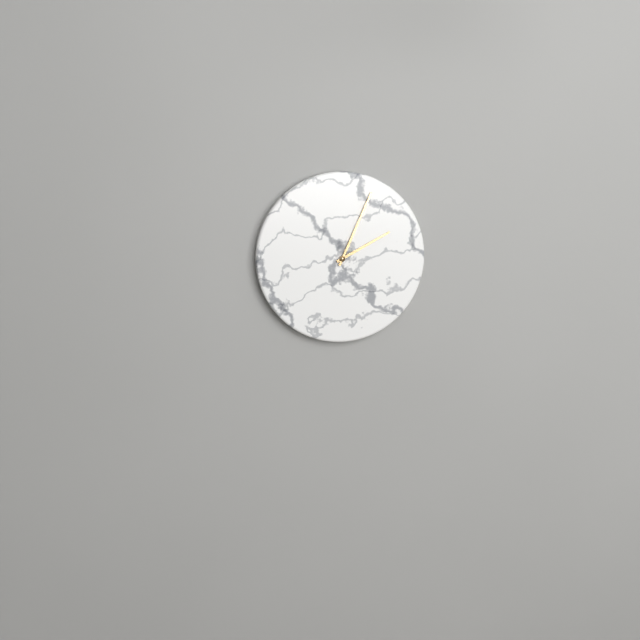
**2:04**
